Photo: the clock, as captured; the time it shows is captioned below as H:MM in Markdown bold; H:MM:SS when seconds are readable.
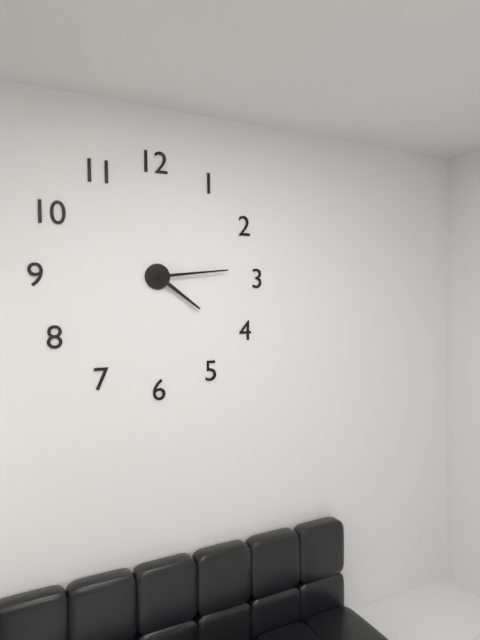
**4:14**
